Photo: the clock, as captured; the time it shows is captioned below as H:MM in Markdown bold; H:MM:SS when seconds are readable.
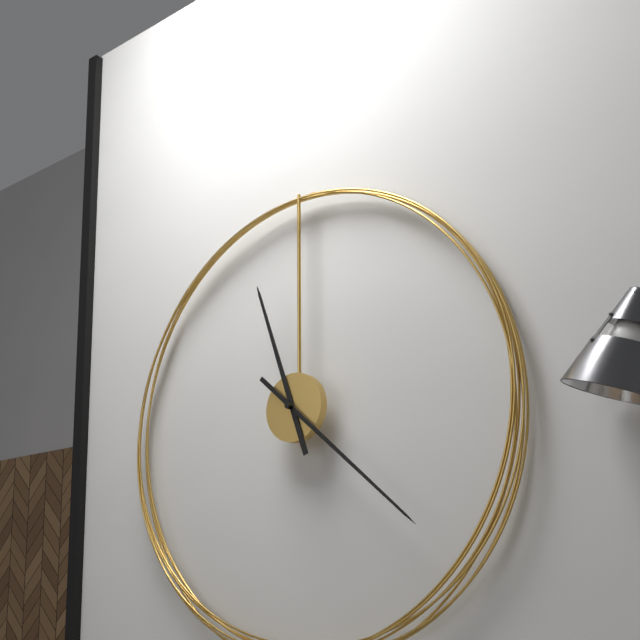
**11:22**
